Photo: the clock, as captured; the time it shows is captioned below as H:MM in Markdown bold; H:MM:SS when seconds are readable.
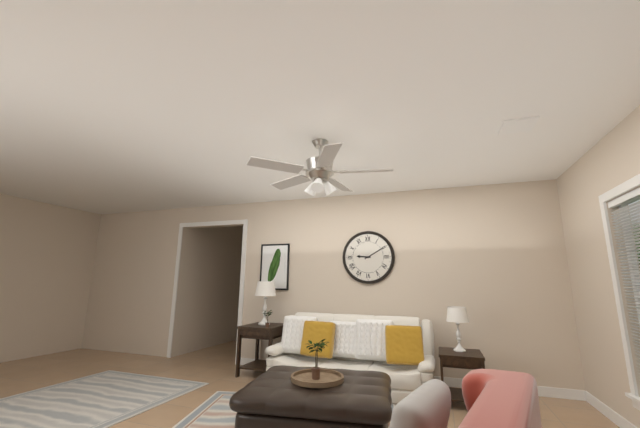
**9:10**
